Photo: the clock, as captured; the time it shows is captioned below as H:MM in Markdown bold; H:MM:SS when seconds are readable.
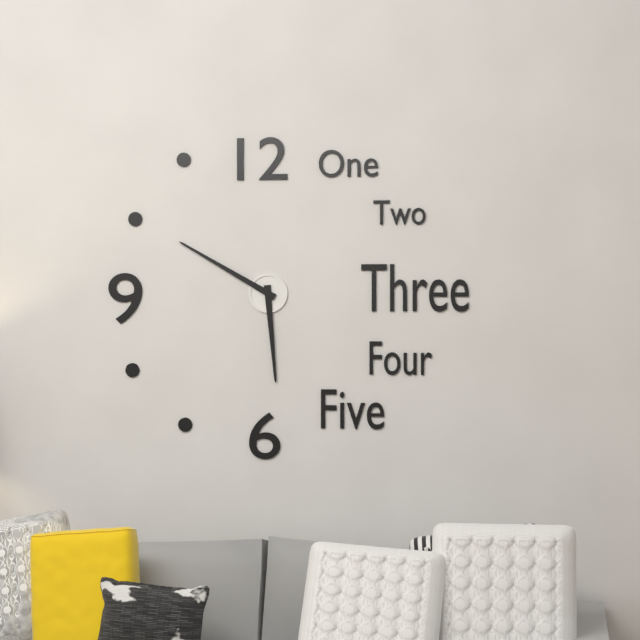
**5:50**
